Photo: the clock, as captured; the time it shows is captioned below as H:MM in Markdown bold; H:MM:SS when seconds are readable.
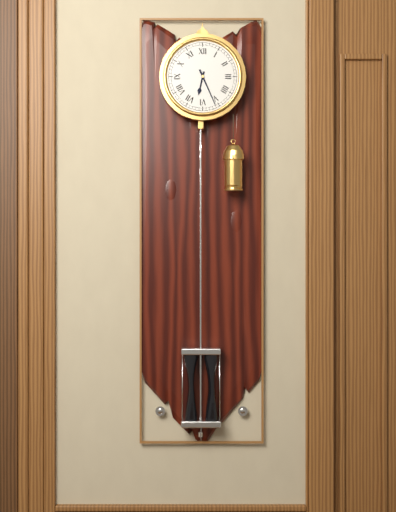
**6:26**
